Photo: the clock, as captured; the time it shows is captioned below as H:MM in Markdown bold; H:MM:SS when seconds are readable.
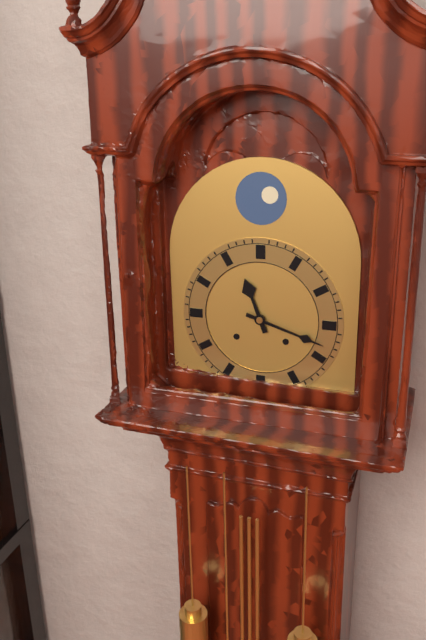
**11:18**
